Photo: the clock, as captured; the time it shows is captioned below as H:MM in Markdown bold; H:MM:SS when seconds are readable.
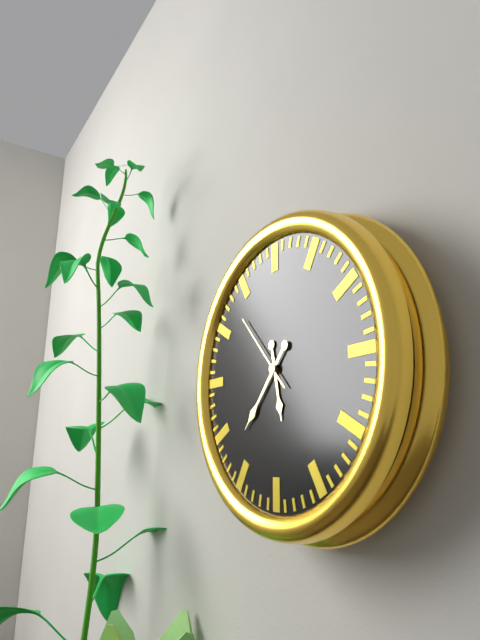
**5:37:53**
